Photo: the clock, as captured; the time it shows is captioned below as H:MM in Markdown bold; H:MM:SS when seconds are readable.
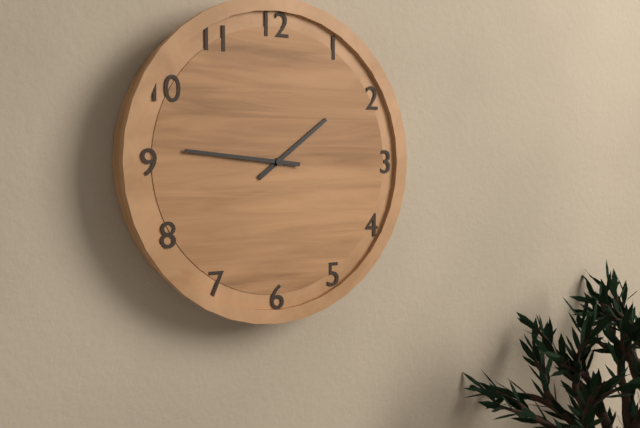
**1:46**
